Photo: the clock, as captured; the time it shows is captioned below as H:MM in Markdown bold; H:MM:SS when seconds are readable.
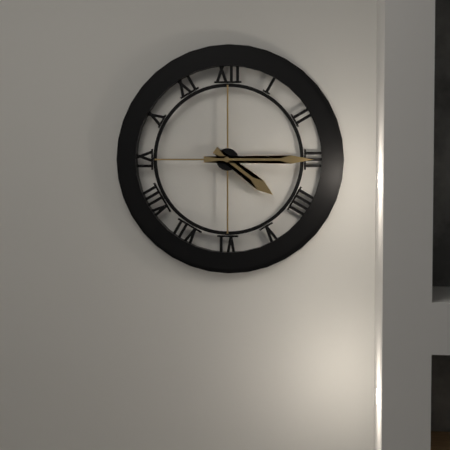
**4:15**
